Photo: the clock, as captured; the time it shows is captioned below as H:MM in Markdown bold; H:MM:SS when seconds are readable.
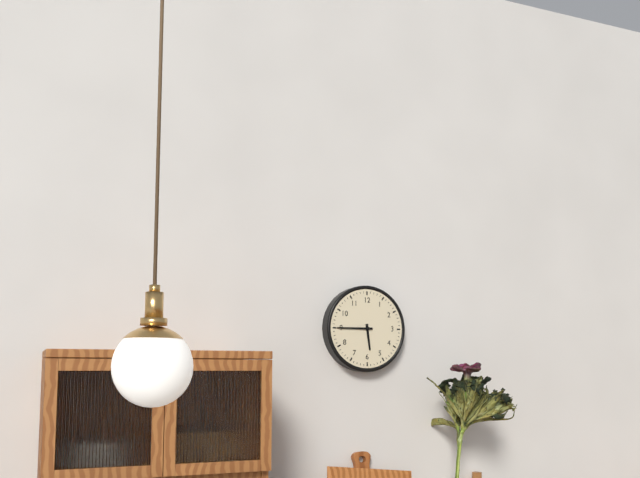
**5:45**
